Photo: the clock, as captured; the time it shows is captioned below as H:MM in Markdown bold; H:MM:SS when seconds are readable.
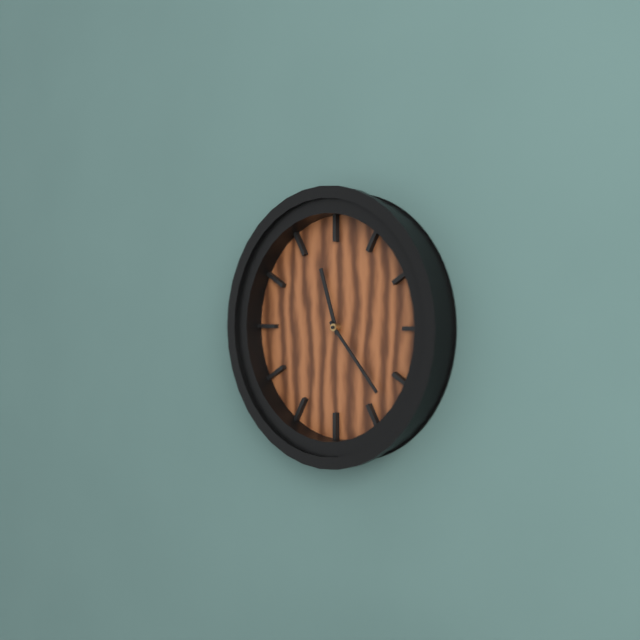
**11:23**
